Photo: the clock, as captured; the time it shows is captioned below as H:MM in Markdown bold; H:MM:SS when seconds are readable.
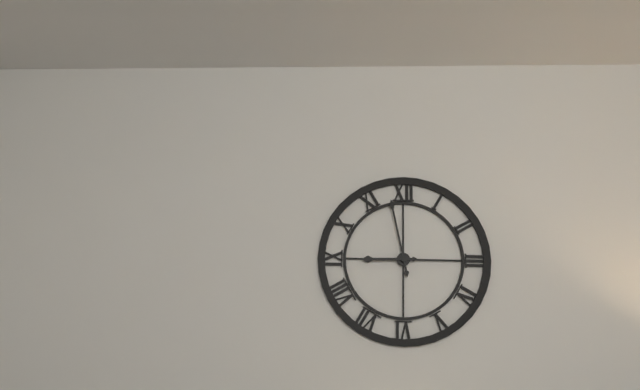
**8:58**
